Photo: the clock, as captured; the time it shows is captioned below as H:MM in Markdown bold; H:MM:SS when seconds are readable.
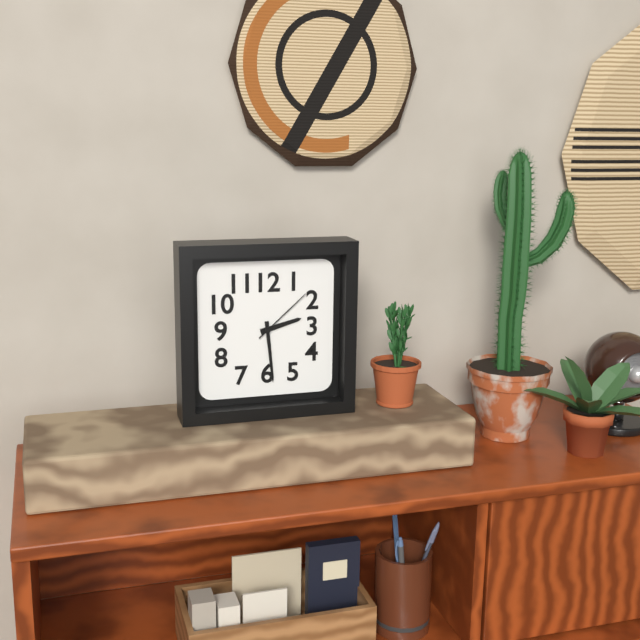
**2:29:08**
